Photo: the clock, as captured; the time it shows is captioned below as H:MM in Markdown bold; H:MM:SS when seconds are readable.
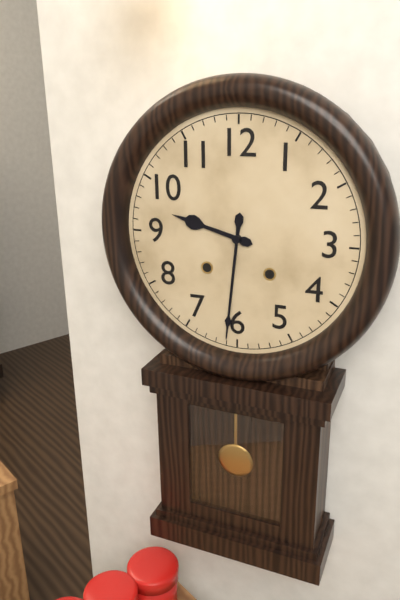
**9:31**
